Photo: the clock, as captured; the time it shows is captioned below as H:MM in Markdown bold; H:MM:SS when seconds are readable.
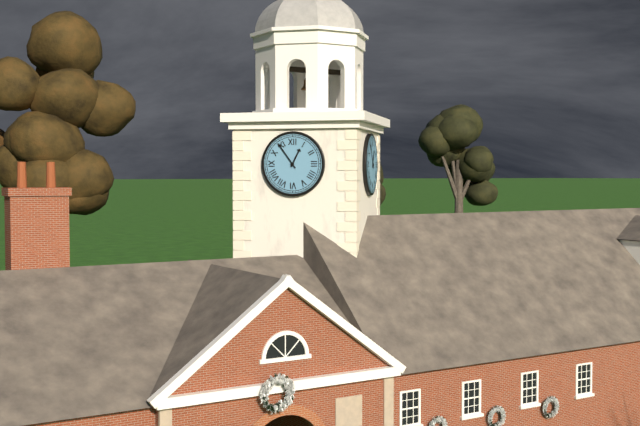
**12:54**
